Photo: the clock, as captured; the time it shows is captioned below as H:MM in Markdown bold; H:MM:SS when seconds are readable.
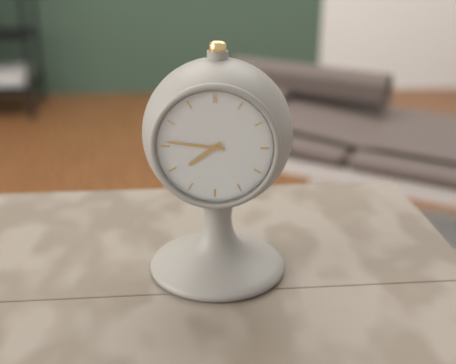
**7:46**
